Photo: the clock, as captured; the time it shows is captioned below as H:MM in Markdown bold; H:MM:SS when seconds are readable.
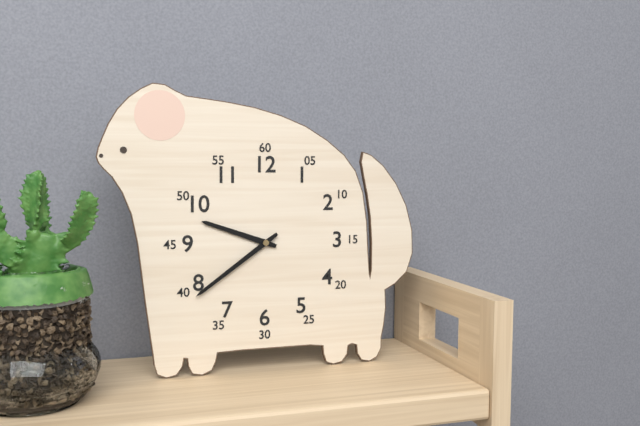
**9:39**
